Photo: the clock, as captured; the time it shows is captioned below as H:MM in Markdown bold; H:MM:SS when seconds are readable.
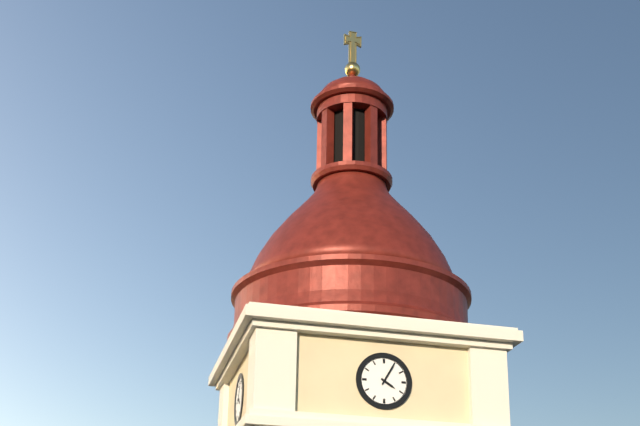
**4:05**
